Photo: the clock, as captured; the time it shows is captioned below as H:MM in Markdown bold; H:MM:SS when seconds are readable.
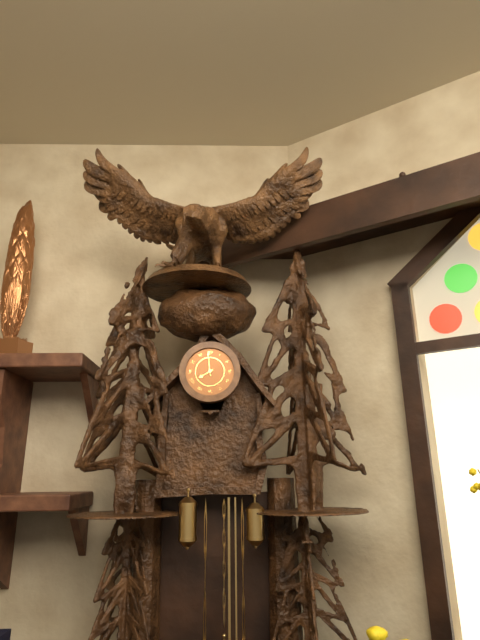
**7:59**
